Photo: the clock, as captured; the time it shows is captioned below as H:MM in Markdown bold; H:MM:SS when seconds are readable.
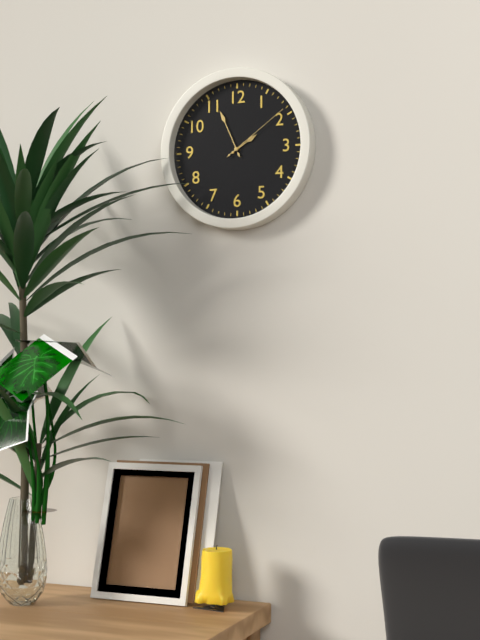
**1:56:09**
